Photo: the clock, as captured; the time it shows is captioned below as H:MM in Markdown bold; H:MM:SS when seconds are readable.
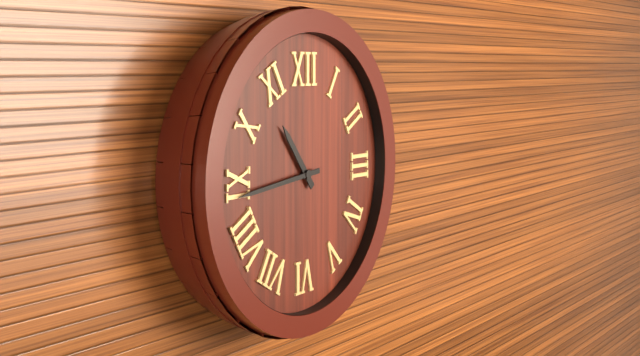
**10:44**
